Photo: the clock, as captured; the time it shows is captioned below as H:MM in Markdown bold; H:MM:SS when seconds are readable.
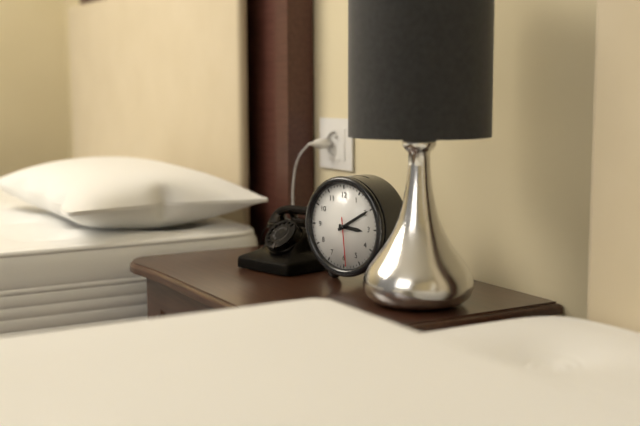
**3:10**
